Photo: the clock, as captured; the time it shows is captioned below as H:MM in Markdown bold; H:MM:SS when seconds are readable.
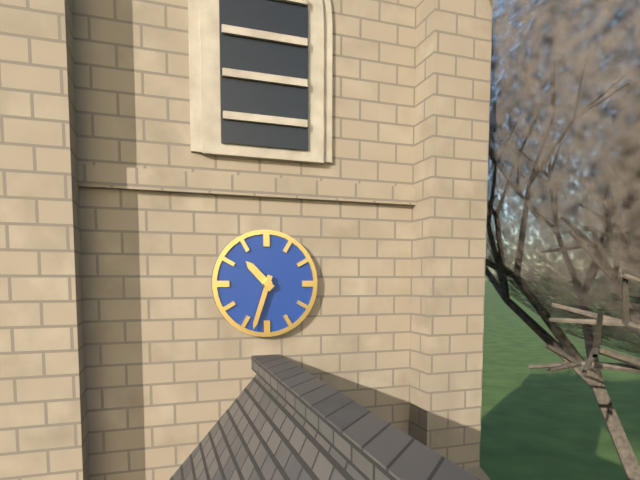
**10:33**
